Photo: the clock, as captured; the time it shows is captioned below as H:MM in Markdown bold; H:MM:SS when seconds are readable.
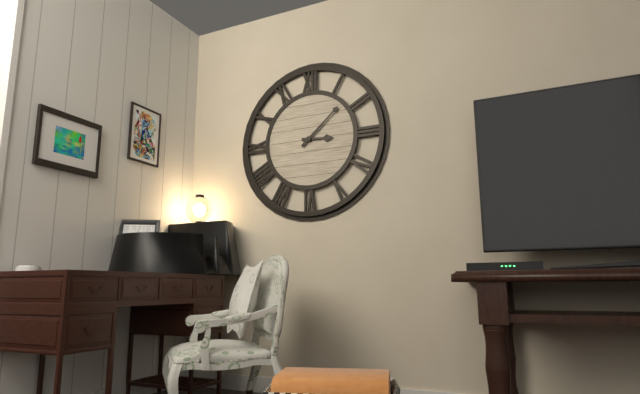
**3:08**
